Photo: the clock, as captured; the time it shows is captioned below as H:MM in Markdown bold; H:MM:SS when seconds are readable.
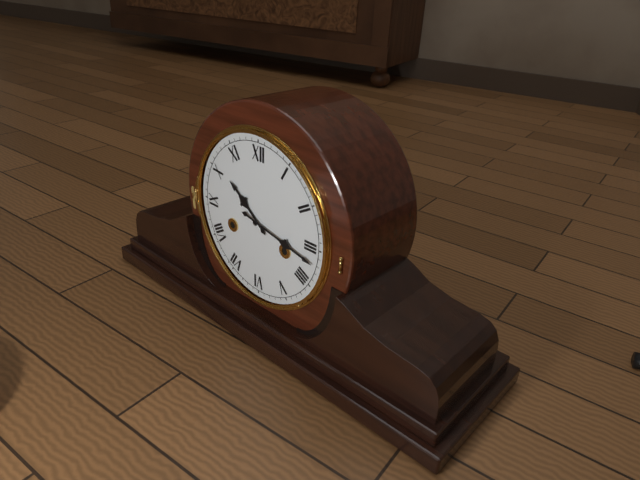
**10:17**
